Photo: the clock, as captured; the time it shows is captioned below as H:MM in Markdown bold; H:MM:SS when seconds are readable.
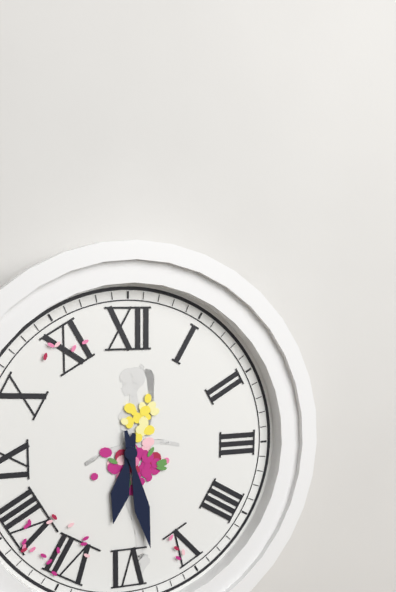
**6:28**
